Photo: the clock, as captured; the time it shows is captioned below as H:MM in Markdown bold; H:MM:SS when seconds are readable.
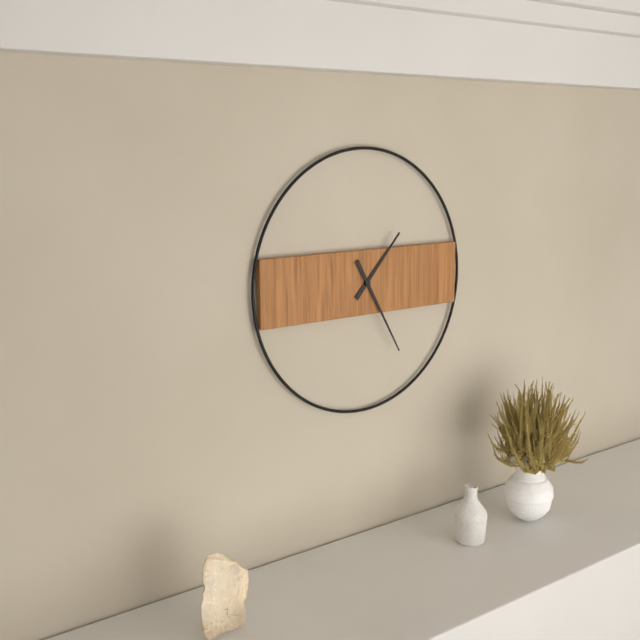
**1:25**
